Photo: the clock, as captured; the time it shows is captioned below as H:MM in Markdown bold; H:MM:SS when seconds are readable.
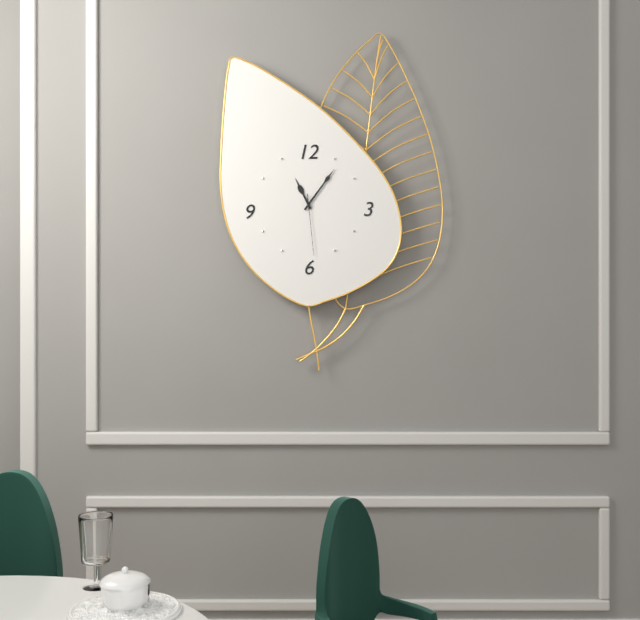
**11:06:29**
